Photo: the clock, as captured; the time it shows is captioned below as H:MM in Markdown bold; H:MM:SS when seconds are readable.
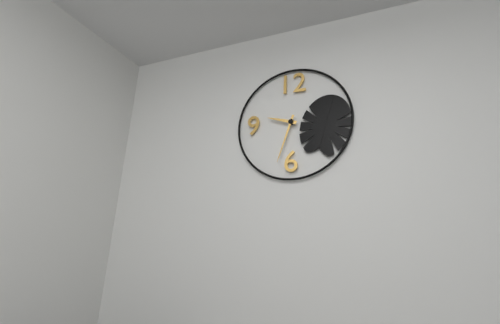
**9:33**
